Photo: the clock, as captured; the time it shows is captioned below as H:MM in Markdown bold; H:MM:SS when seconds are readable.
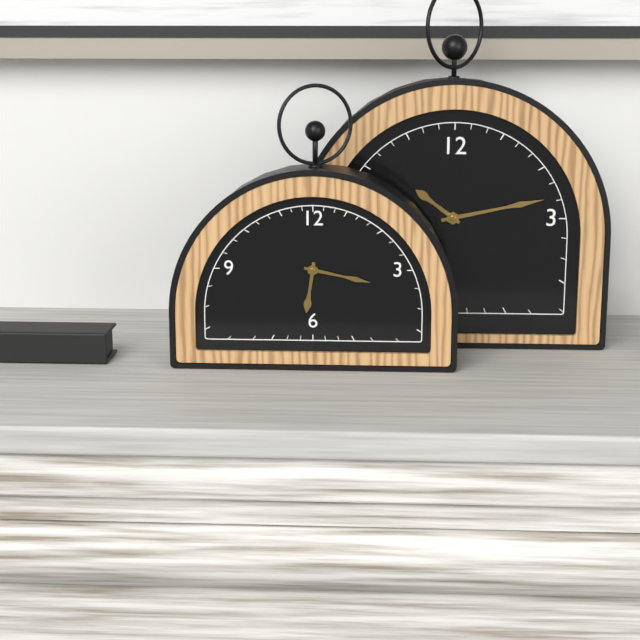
**6:17**
